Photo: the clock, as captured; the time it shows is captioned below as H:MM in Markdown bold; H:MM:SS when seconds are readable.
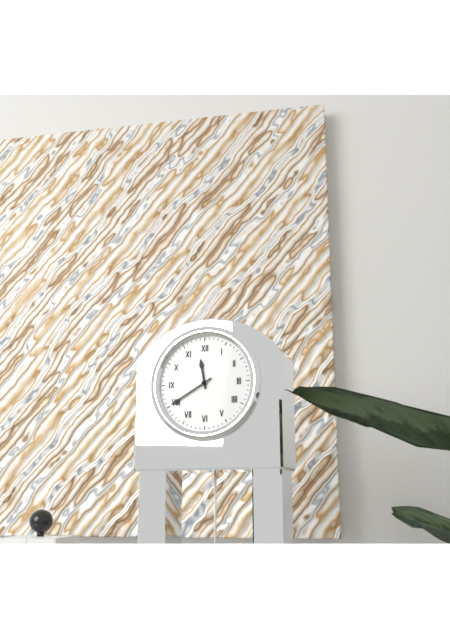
**11:40**
